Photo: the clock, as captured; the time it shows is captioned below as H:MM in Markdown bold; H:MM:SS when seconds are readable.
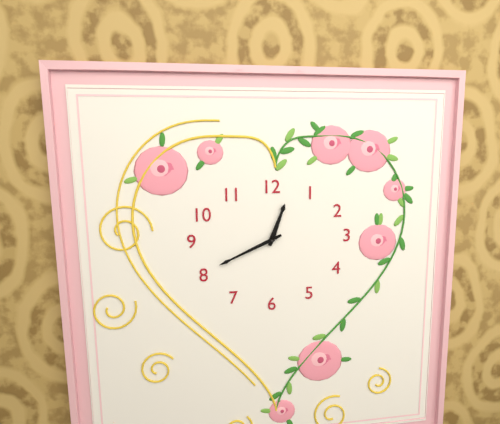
**12:41**
